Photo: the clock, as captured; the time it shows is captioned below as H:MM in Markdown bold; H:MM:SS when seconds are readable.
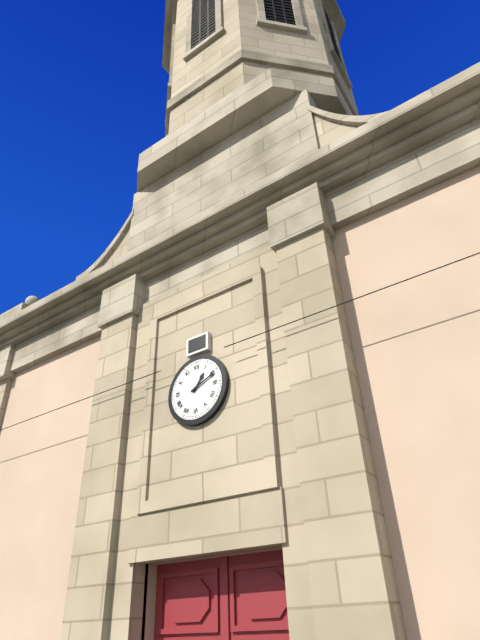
**1:11**
